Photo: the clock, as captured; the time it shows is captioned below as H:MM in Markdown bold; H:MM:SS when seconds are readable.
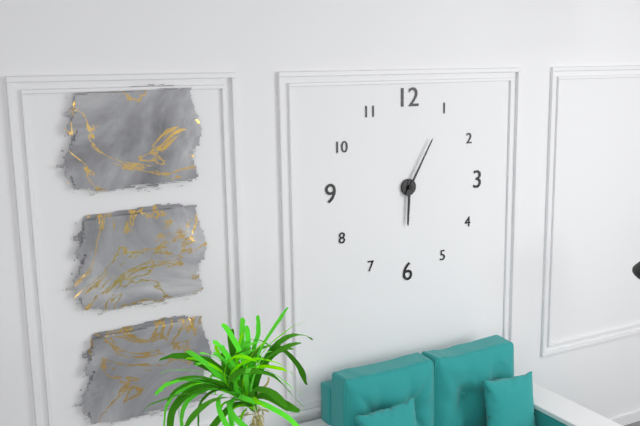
**6:05**
